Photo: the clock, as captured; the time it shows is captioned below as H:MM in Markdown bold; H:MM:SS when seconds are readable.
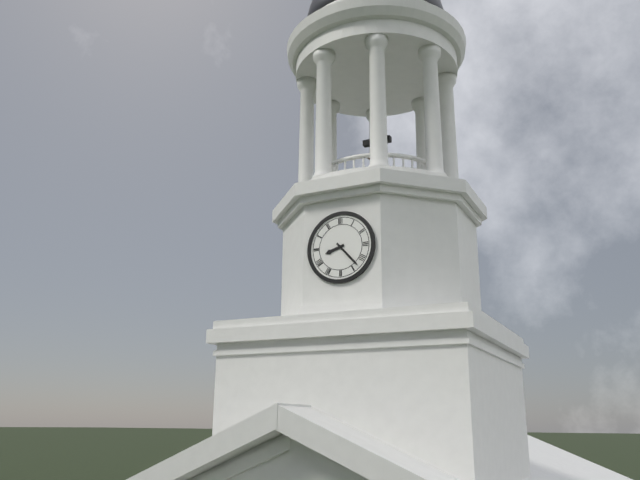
**8:23**
